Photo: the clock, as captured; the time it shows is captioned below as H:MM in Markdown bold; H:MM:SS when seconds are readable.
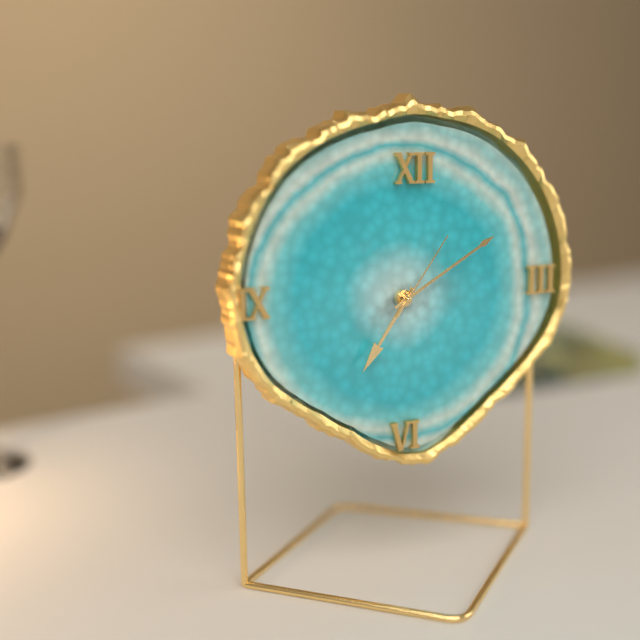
**7:10:06**
